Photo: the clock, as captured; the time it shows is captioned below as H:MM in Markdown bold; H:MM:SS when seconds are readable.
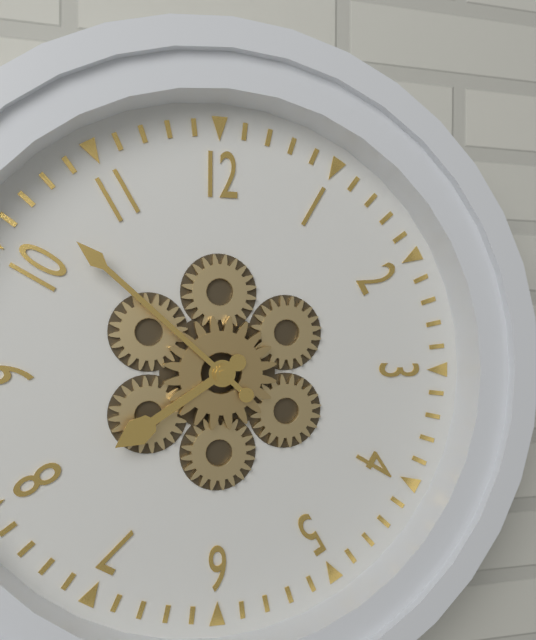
**7:52**
